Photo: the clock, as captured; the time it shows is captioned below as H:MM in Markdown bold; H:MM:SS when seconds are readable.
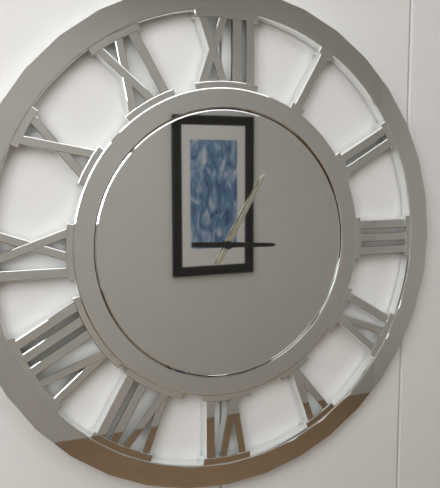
**3:05**
